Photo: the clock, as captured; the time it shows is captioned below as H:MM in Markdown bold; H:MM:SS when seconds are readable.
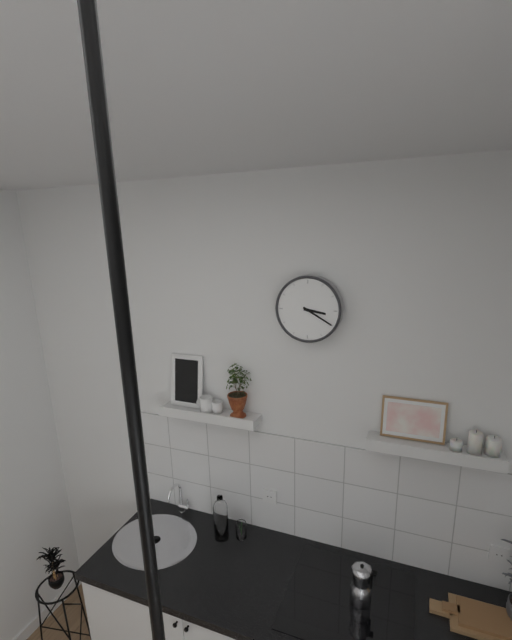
**3:20**
